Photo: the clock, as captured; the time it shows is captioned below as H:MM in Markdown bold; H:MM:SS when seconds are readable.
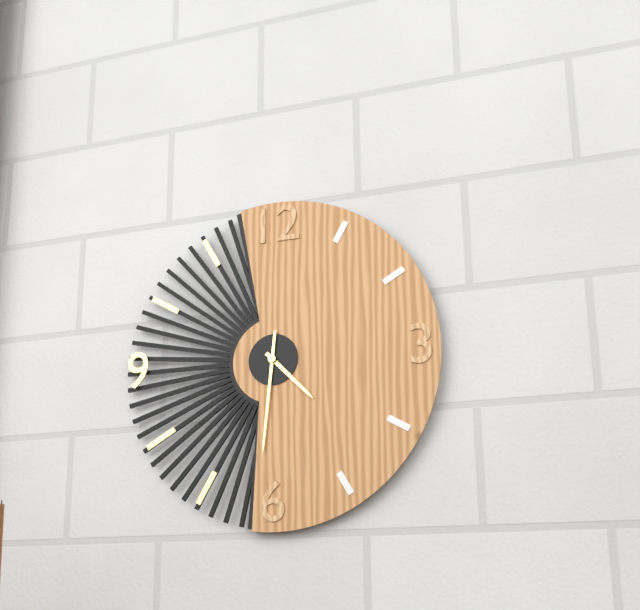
**4:31**
